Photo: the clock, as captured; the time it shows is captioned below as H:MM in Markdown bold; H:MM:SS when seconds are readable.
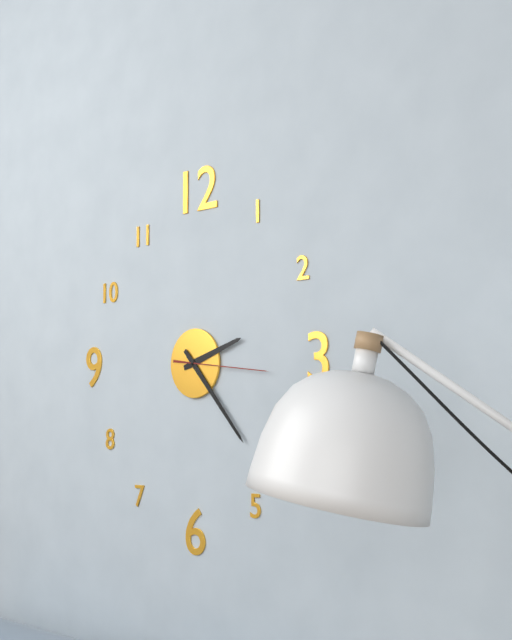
**2:23:16**
